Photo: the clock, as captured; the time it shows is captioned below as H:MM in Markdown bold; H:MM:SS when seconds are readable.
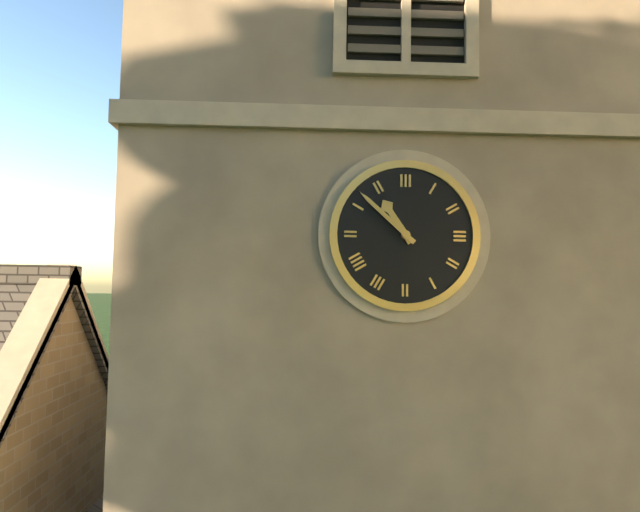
**10:52**
